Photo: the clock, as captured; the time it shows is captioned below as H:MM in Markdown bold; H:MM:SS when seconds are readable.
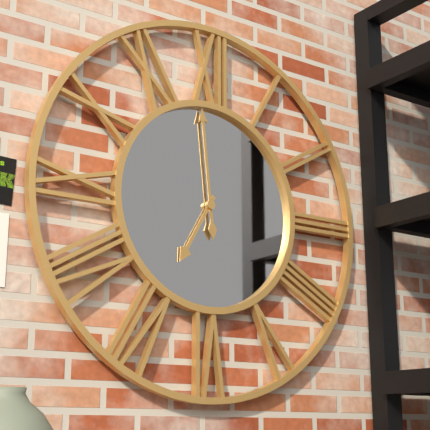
**6:59**
